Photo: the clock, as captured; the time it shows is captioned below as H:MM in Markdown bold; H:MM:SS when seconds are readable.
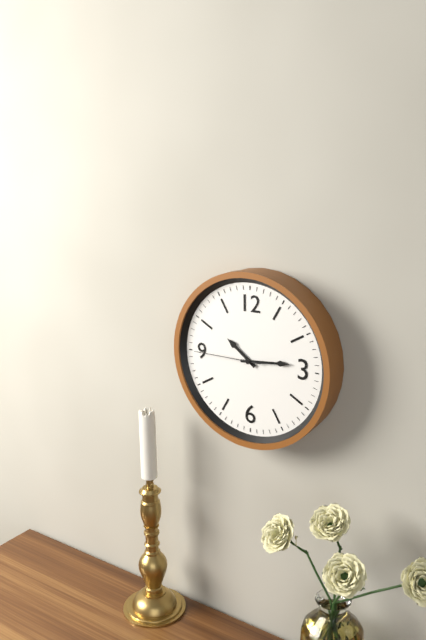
**10:14:45**
